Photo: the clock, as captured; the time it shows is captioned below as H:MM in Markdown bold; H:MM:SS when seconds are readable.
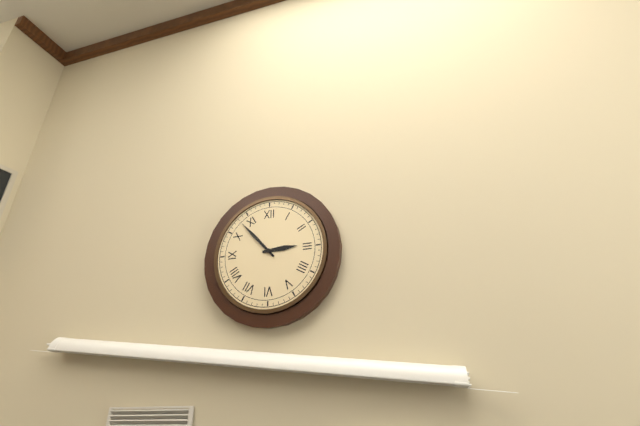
**2:53**
